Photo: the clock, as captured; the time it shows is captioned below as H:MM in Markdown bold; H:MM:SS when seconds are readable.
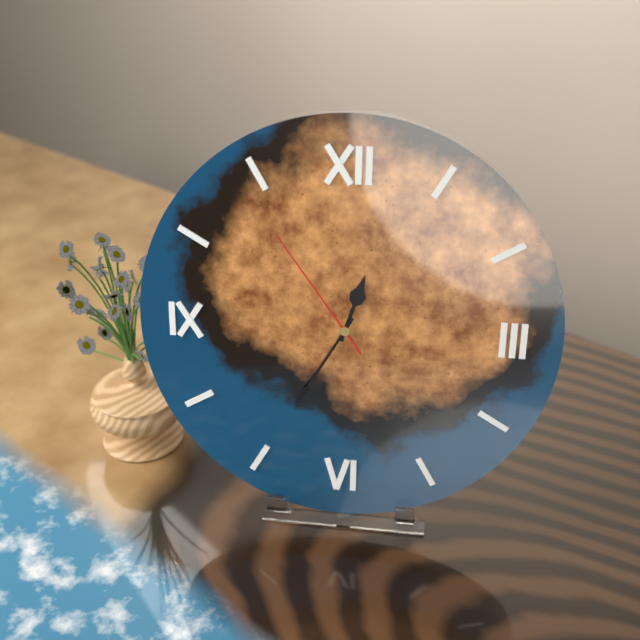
**12:35:54**
